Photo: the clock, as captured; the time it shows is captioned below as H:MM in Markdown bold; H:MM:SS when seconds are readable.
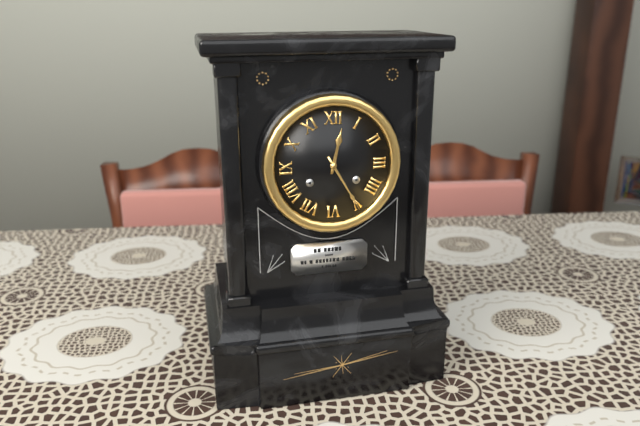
**12:25**
